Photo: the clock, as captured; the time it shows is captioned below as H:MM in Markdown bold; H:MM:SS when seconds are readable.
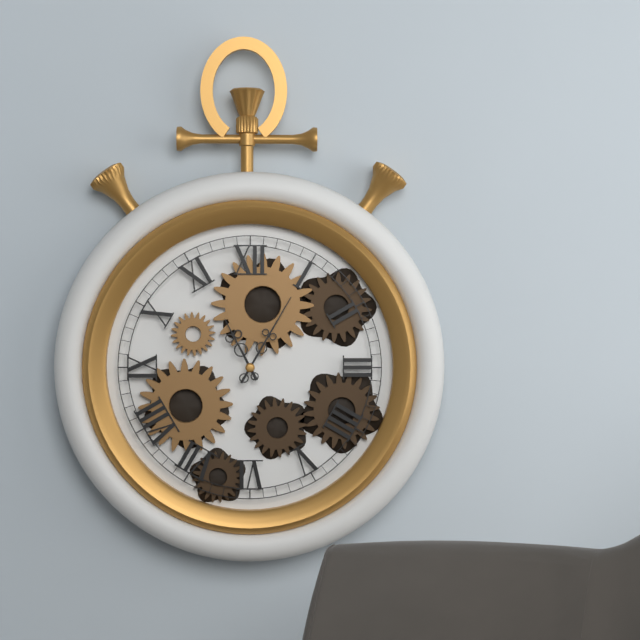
**11:05**
